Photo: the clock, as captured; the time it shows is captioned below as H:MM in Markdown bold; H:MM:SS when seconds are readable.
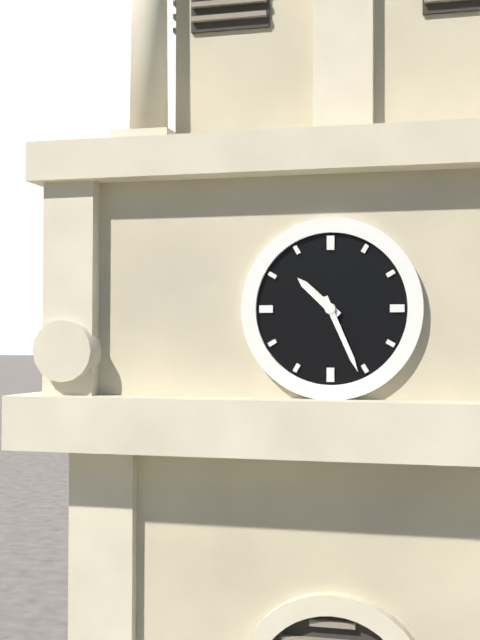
**10:26**
